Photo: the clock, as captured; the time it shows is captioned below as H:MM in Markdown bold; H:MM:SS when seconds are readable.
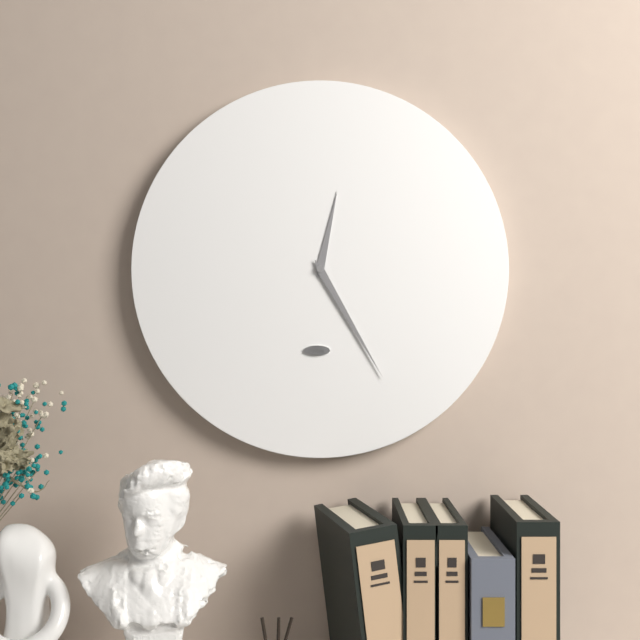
**12:25**
